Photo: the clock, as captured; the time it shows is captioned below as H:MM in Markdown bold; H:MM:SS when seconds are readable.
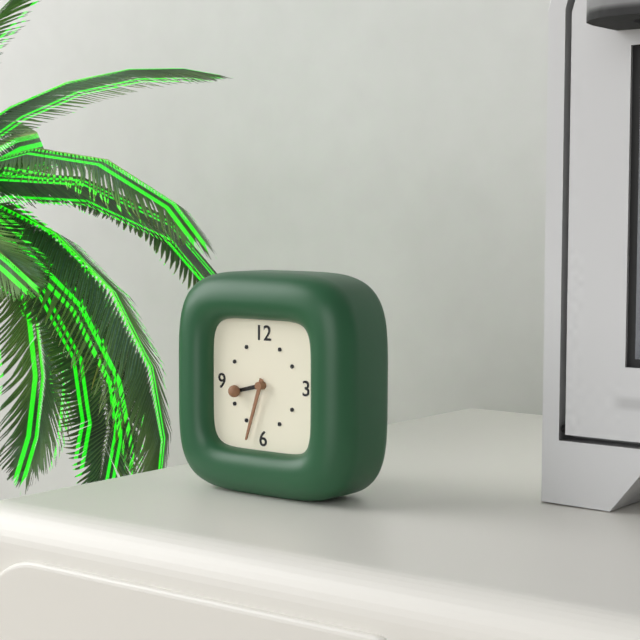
**8:33**
